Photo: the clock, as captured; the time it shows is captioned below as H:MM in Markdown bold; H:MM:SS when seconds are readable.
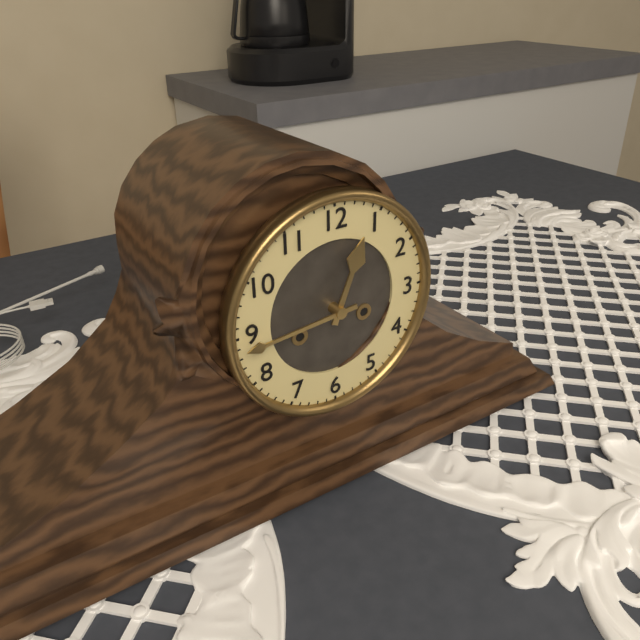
**12:44**
